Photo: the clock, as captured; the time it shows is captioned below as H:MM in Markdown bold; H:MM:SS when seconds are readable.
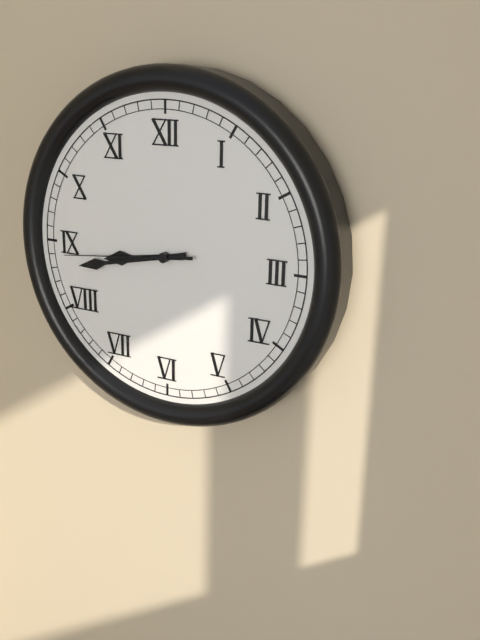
**8:43:44**
